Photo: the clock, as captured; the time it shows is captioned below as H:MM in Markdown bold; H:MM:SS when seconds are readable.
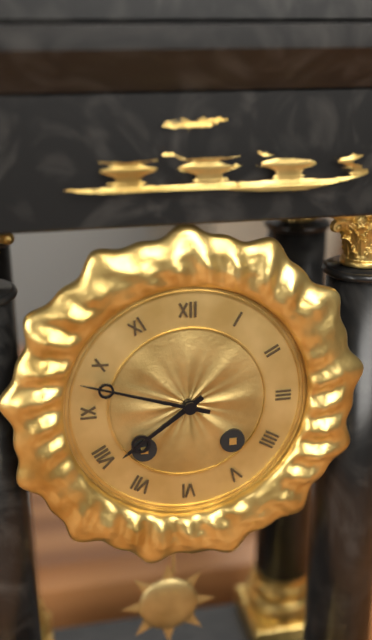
**7:48**
